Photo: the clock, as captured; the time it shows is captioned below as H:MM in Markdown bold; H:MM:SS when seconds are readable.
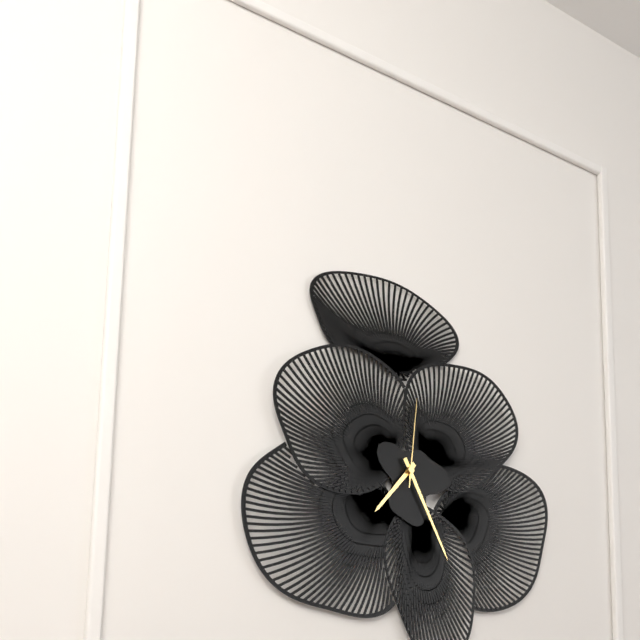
**7:25:01**
